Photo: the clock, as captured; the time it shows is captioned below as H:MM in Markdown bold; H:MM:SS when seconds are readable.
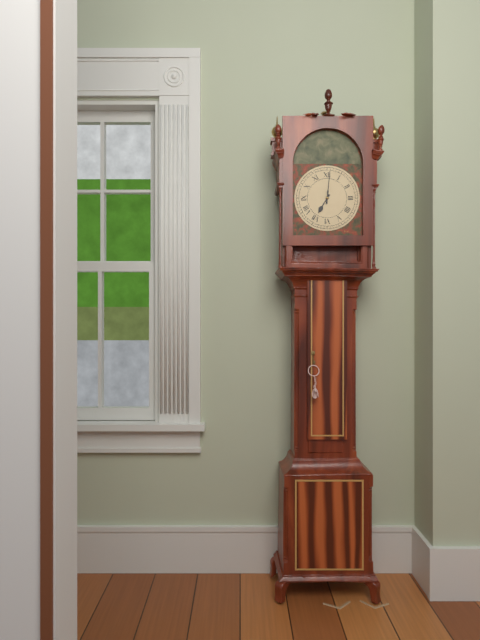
**7:01**
